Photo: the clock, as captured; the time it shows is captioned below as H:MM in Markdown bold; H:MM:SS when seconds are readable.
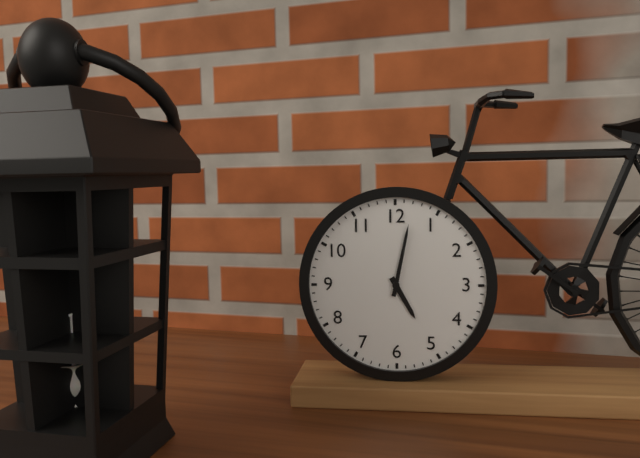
**5:02**
